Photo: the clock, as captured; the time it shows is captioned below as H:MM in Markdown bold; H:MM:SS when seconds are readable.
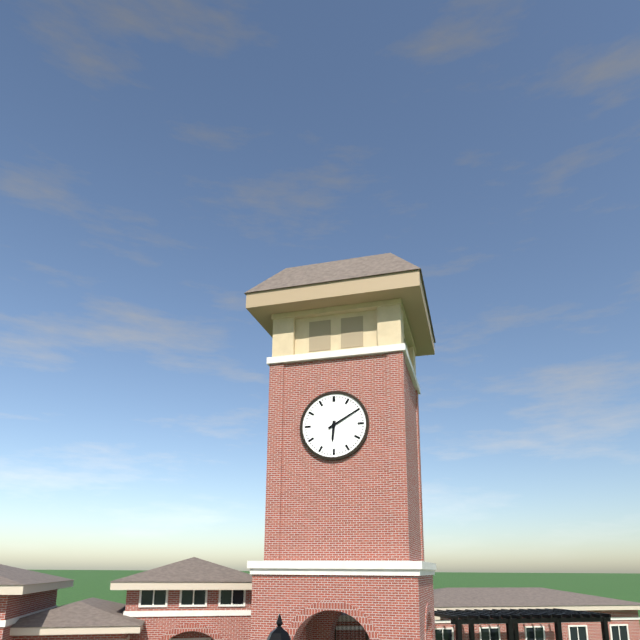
**6:10**
